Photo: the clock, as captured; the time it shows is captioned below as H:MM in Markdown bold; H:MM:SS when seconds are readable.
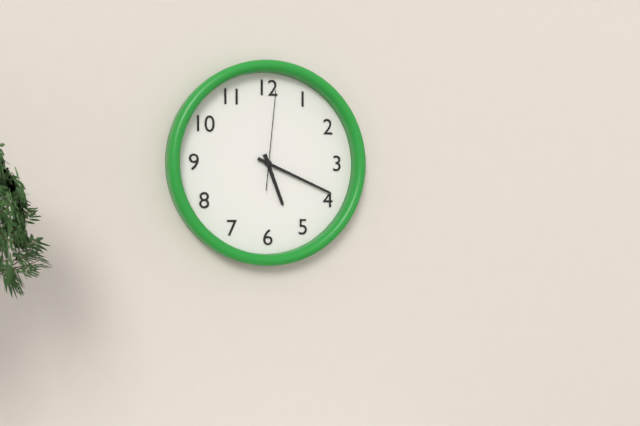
**5:19:01**
